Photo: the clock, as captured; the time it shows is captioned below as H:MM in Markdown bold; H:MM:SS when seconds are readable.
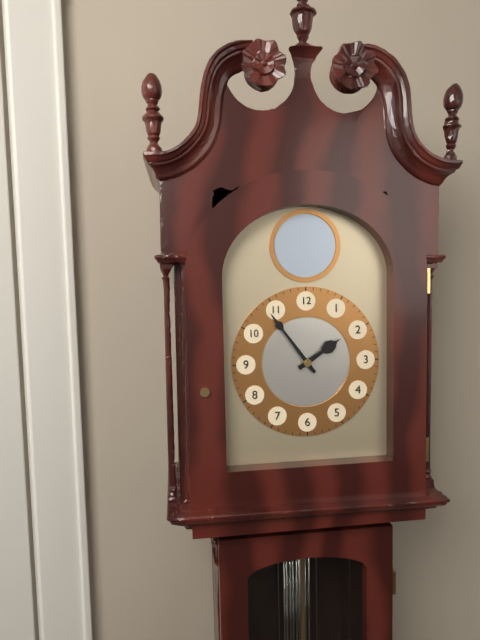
**1:54**
